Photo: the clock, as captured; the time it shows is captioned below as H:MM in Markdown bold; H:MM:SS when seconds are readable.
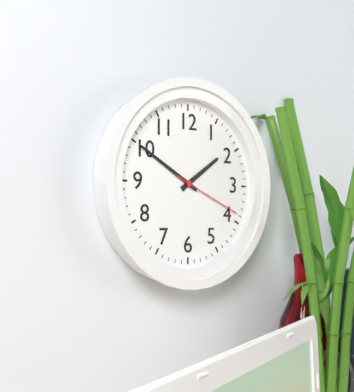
**1:50:19**
